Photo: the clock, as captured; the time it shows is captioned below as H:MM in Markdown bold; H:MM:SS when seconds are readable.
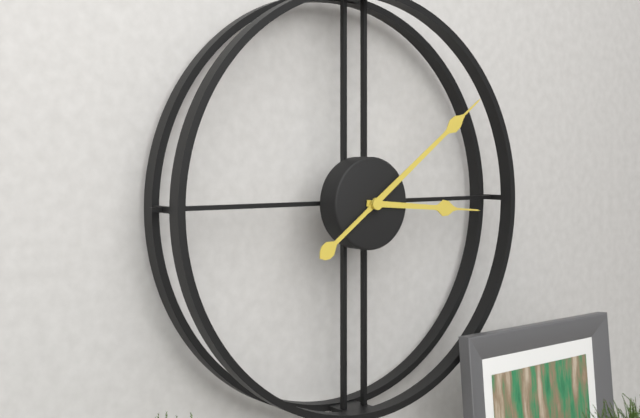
**3:09**
